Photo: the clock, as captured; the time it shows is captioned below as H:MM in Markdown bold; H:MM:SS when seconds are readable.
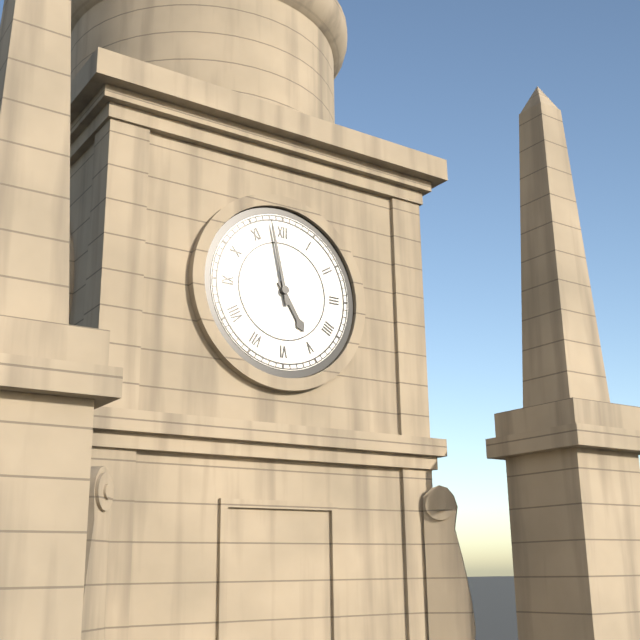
**4:58**
